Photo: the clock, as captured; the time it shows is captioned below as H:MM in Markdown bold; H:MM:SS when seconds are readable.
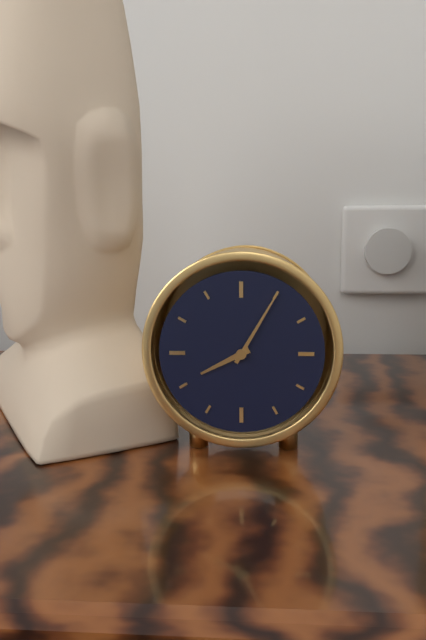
**8:05**
